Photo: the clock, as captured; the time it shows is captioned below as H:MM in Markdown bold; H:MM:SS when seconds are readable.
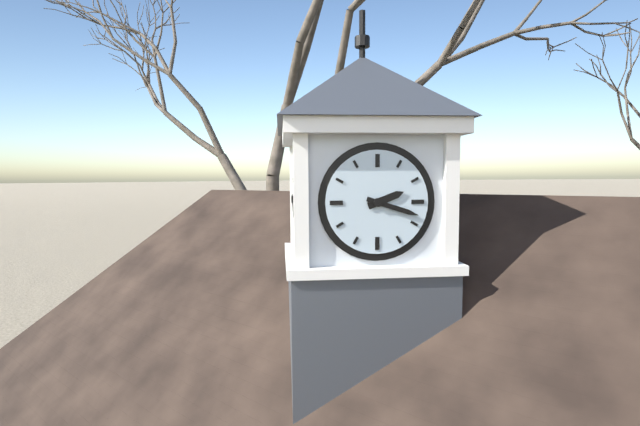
**2:18**
